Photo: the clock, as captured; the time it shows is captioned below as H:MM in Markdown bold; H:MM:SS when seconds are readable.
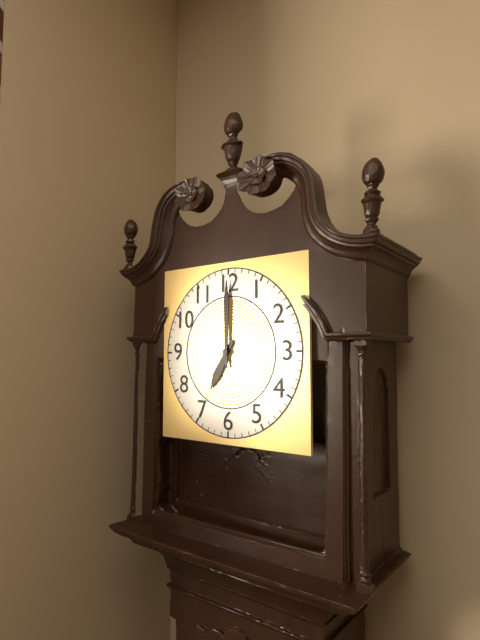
**7:00**
